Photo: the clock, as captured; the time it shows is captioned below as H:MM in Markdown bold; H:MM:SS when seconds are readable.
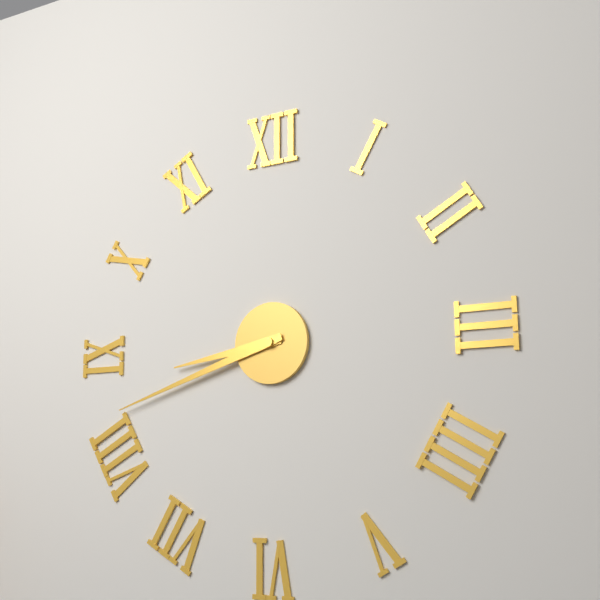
**8:42**
